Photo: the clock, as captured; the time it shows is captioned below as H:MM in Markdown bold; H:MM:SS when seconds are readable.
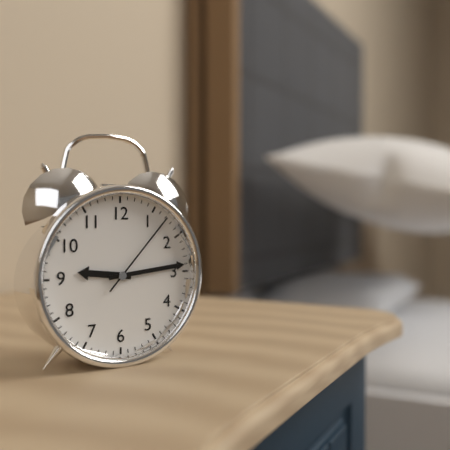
**9:14:07**
